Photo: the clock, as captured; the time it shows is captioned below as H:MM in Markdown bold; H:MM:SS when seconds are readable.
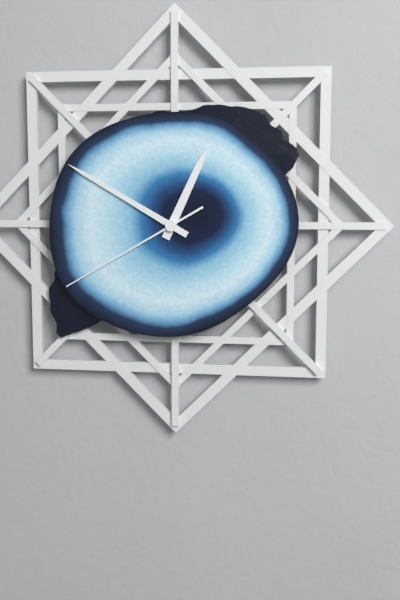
**12:50:40**
